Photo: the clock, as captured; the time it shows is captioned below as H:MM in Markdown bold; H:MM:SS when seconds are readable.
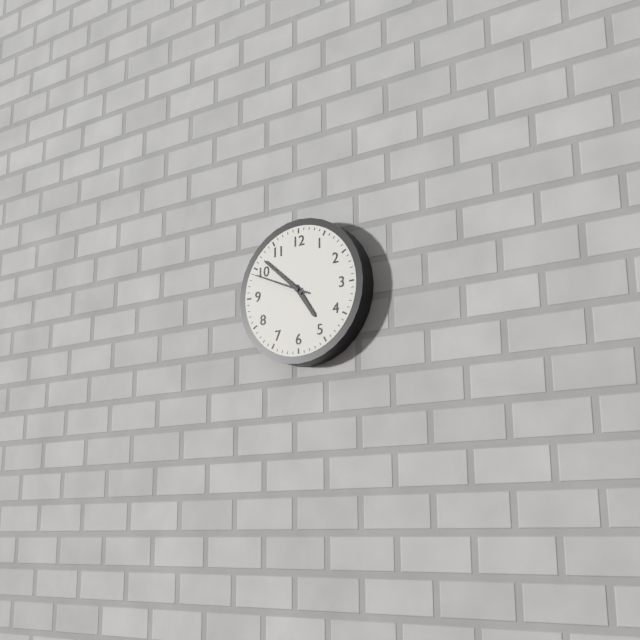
**4:52:49**
